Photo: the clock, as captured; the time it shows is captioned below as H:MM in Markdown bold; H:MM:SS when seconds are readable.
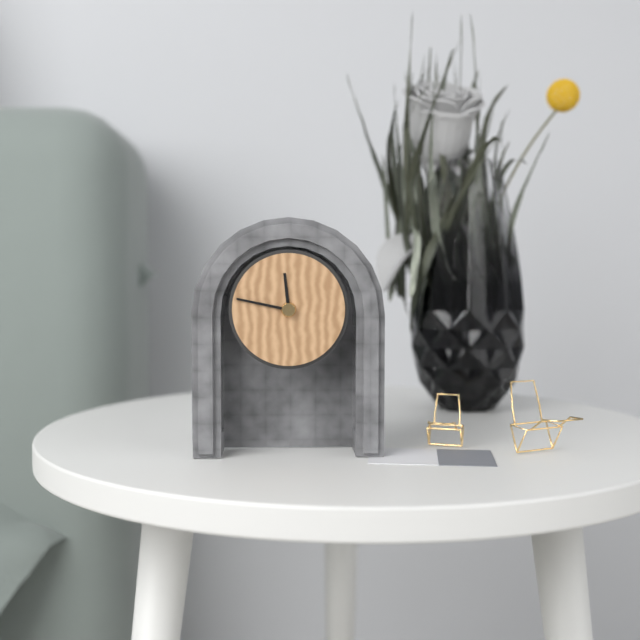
**11:47**
